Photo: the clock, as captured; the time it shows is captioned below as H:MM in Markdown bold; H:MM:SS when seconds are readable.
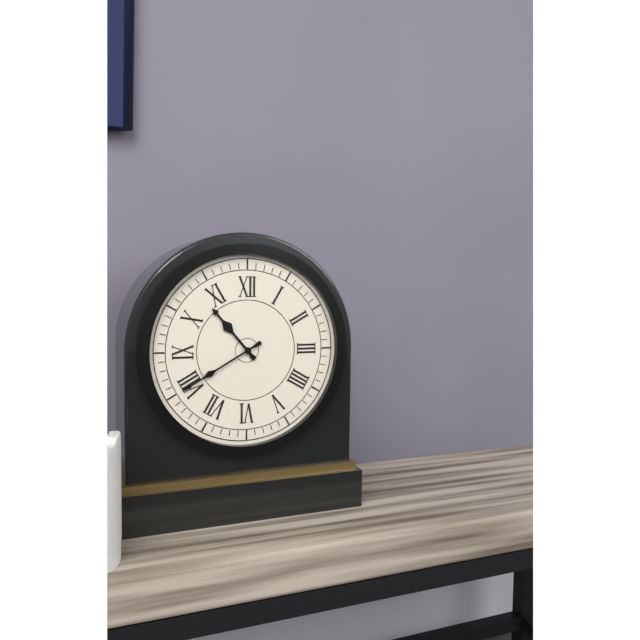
**10:40**
